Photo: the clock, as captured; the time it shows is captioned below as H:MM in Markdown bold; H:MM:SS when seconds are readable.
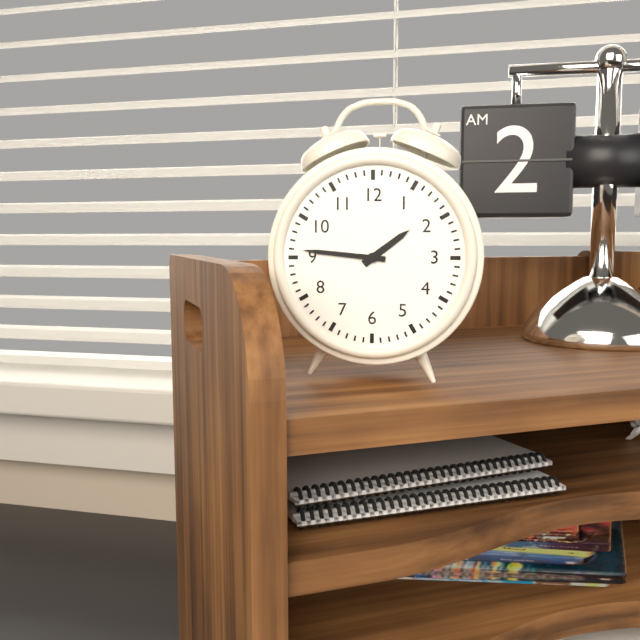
**1:46**
